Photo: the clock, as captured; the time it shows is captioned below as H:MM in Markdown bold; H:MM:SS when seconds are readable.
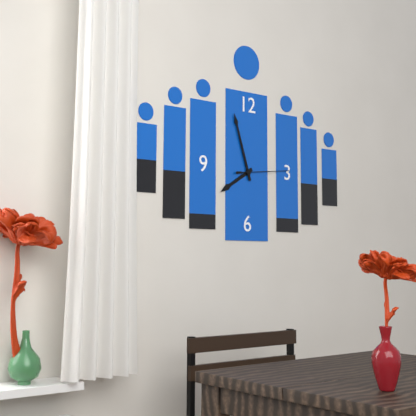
**7:57:14**
